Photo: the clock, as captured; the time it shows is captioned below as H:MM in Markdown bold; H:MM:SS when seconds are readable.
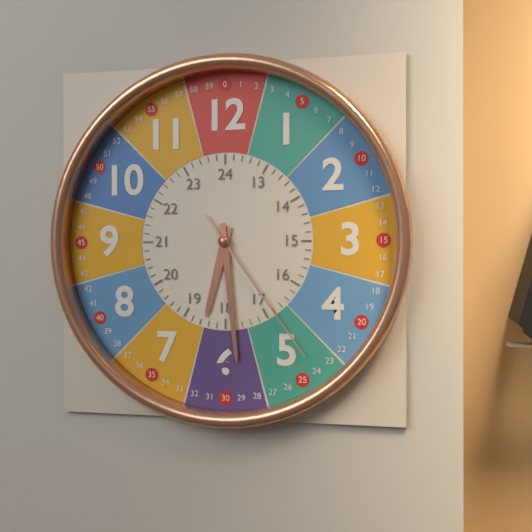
**6:29:24**
